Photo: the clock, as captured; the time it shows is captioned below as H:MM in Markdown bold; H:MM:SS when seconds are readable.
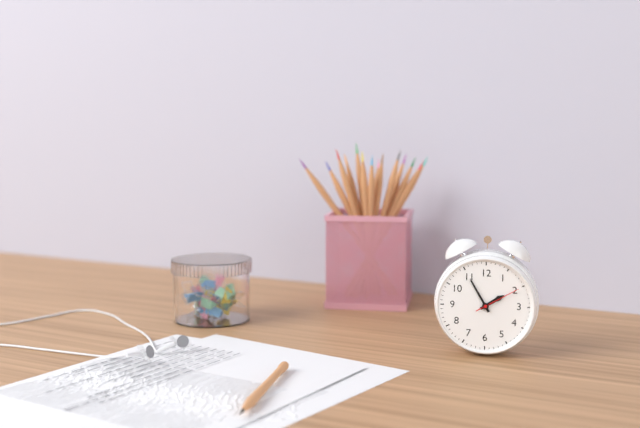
**1:55**
